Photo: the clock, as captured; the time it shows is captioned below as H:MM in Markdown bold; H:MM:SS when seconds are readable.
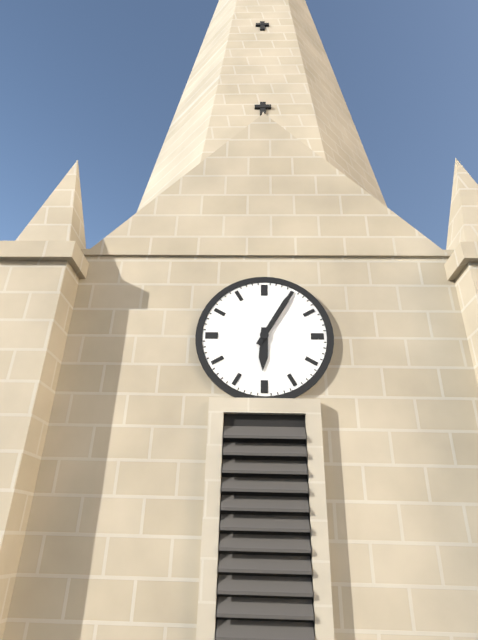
**6:05**
